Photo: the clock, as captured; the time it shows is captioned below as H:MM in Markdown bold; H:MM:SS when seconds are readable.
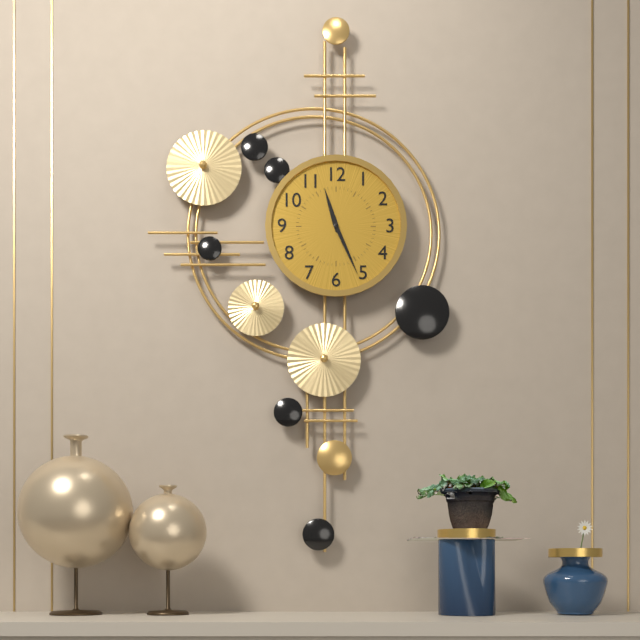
**11:26**
